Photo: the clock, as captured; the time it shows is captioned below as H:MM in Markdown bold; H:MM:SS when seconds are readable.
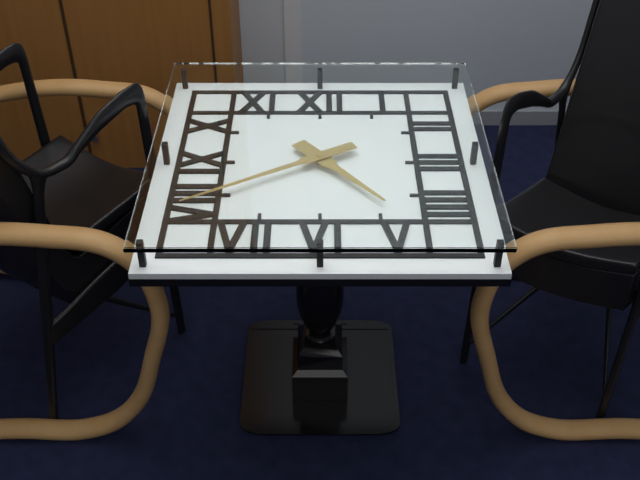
**4:40**
